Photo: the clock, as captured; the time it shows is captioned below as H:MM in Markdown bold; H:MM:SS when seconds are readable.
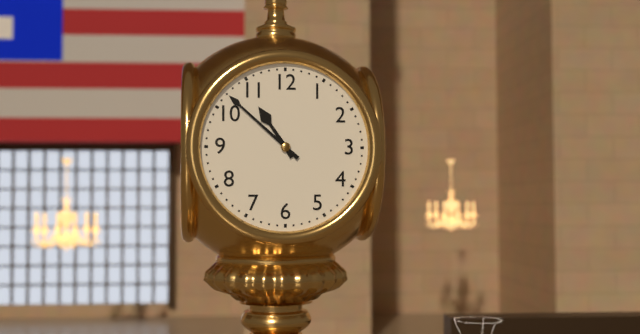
**10:52**
